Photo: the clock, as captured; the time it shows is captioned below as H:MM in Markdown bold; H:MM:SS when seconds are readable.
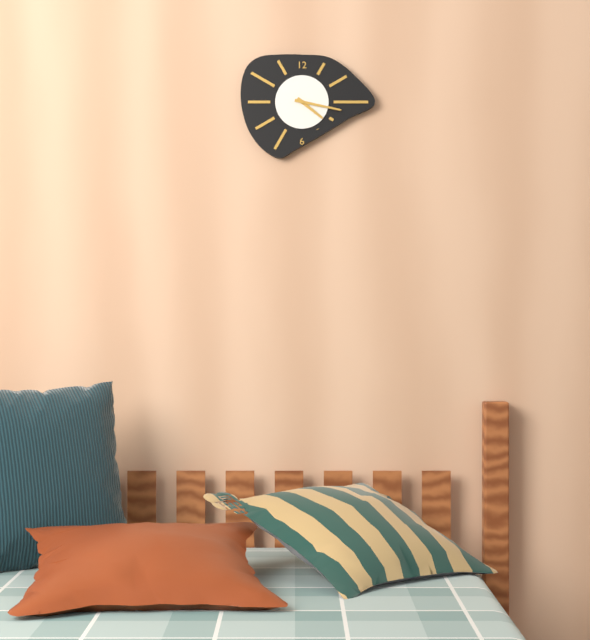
**4:17**
